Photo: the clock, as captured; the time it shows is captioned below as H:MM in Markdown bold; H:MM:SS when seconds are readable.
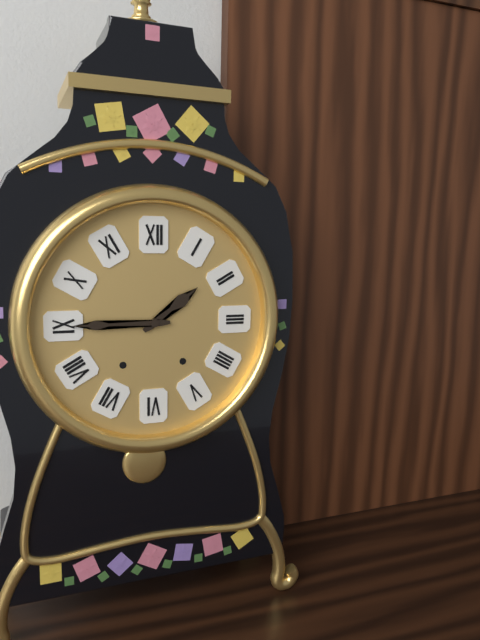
**1:45**
